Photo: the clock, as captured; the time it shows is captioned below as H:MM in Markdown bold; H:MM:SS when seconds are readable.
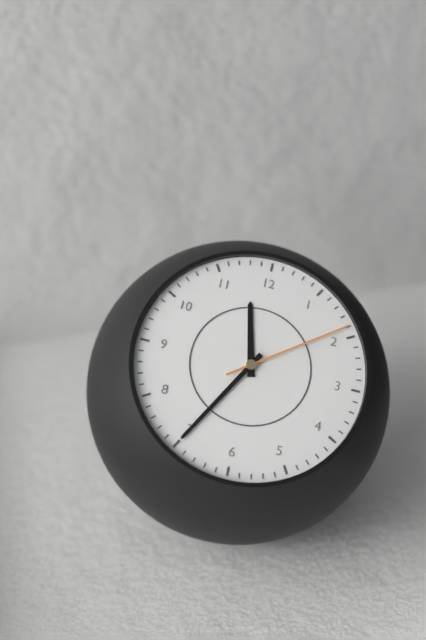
**11:35:09**
